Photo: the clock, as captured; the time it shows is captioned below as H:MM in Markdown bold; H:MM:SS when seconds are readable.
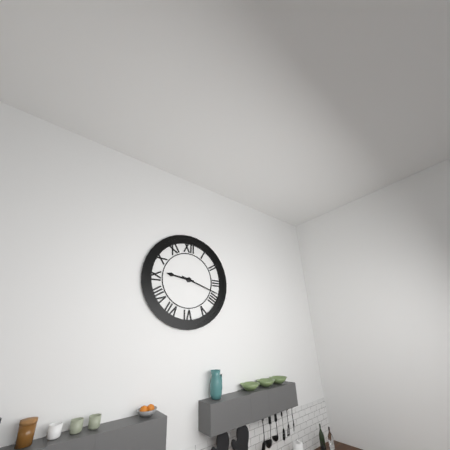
**9:18**
